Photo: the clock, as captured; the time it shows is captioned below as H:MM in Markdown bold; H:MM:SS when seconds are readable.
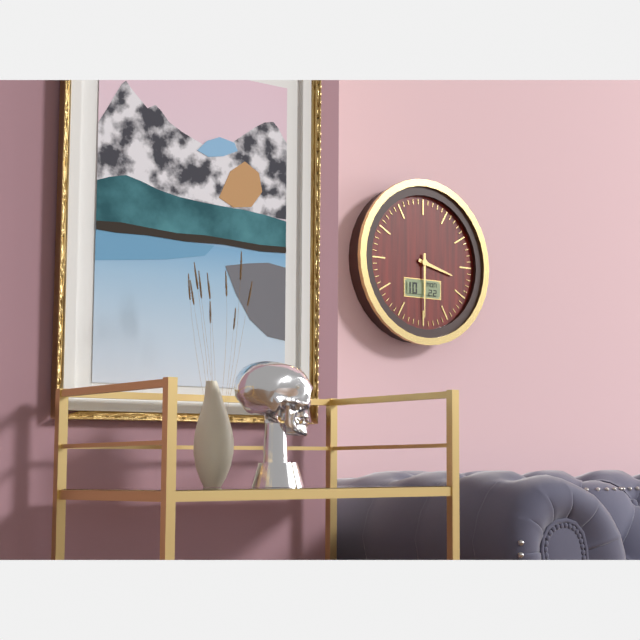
**3:30**
